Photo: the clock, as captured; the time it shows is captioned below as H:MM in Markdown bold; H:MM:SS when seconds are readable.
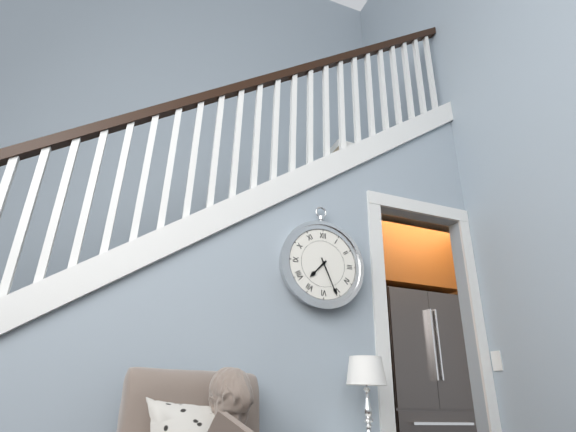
**7:26**
